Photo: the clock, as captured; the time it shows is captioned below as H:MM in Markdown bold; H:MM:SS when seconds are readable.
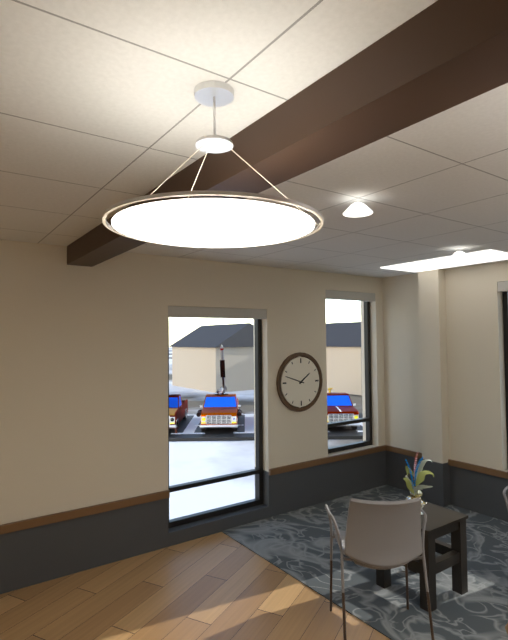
**1:48**
